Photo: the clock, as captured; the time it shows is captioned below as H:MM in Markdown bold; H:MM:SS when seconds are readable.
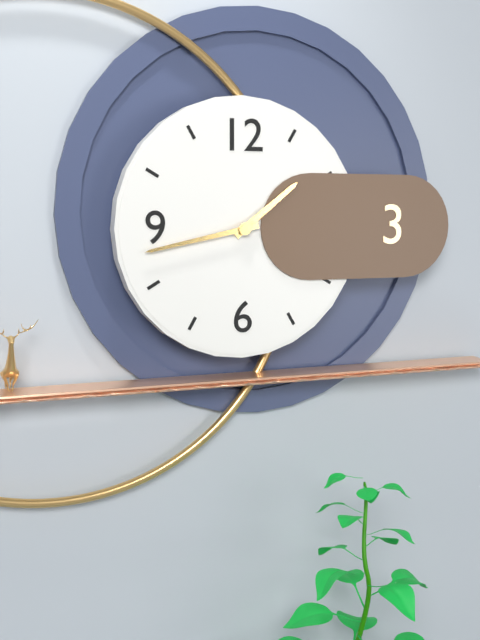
**1:43**
